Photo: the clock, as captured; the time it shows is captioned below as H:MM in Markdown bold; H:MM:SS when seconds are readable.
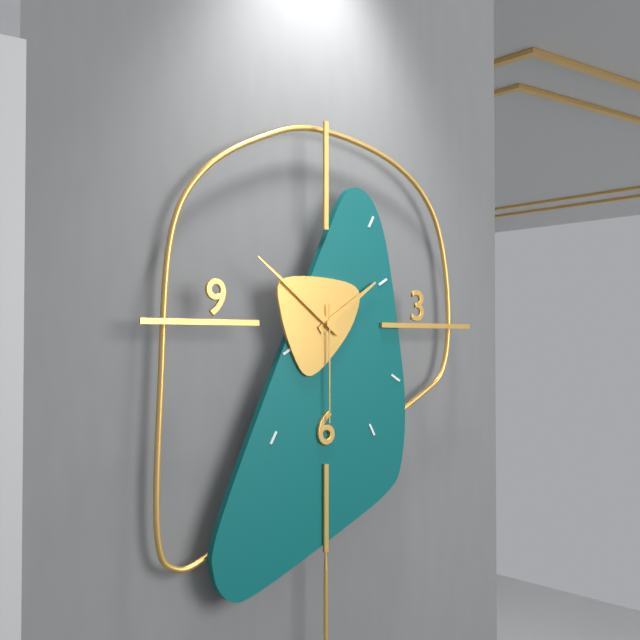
**1:51:30**
